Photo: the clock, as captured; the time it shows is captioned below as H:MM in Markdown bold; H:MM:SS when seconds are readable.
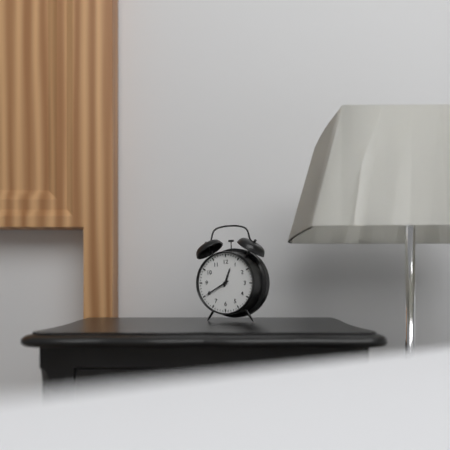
**12:40**
